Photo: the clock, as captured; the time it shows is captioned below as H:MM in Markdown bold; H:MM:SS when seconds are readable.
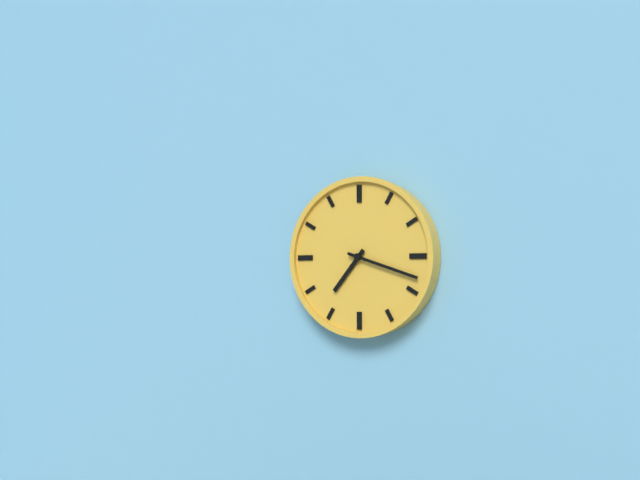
**7:18**
